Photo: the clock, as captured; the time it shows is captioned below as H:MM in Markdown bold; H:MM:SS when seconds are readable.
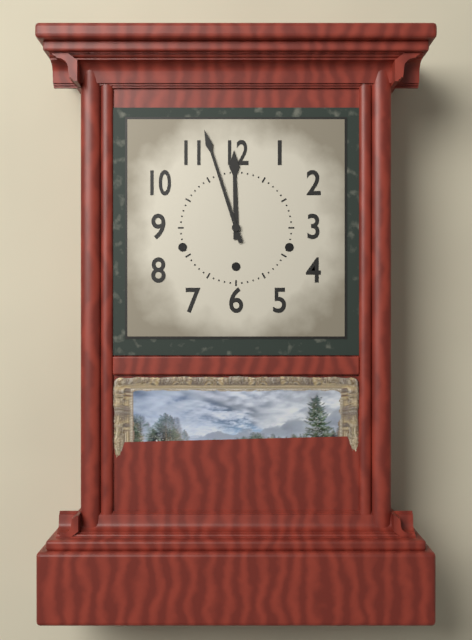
**11:57**
